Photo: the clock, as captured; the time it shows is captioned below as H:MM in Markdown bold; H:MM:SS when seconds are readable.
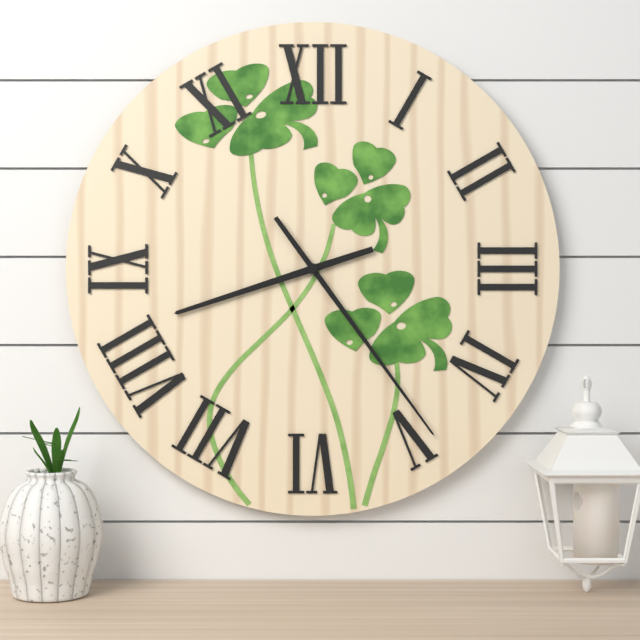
**8:24**
